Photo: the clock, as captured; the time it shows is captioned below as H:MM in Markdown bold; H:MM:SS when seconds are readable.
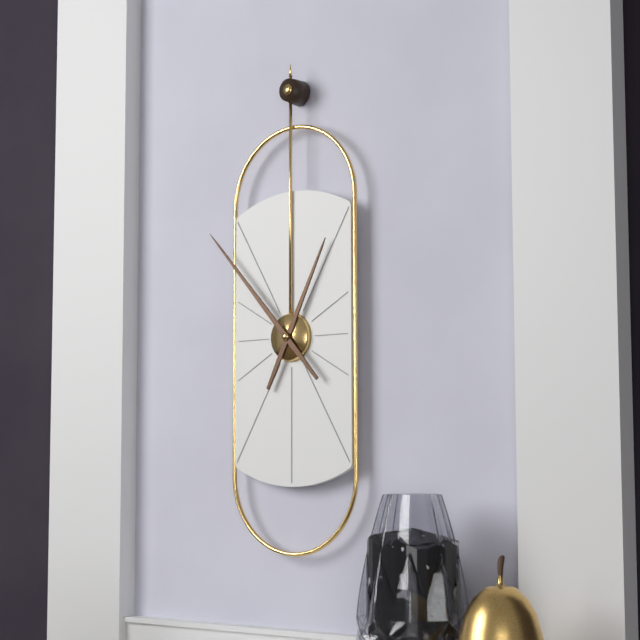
**12:53**
